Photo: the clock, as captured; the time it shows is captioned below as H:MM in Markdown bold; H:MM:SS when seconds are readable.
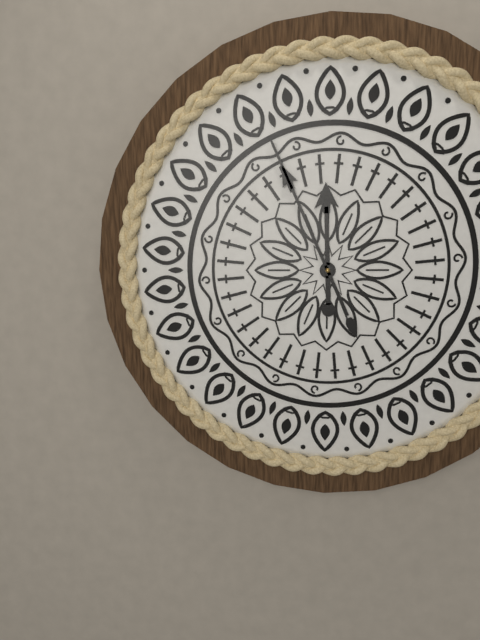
**11:56**
